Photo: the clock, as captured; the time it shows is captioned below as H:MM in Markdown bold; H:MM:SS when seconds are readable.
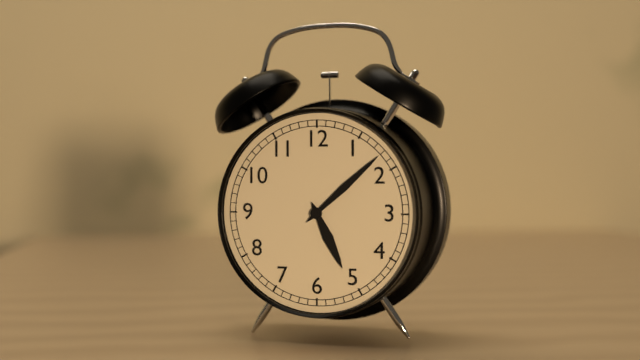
**5:08**
